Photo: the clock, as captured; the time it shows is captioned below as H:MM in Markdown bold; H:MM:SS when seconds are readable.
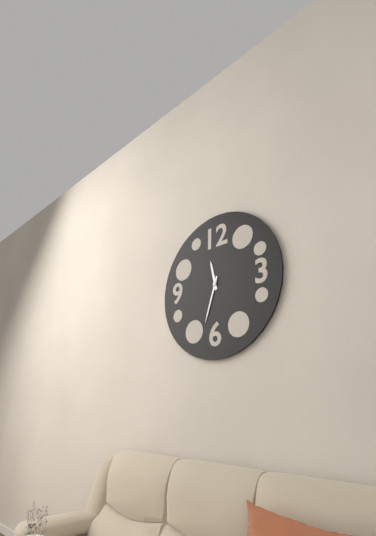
**11:33**
